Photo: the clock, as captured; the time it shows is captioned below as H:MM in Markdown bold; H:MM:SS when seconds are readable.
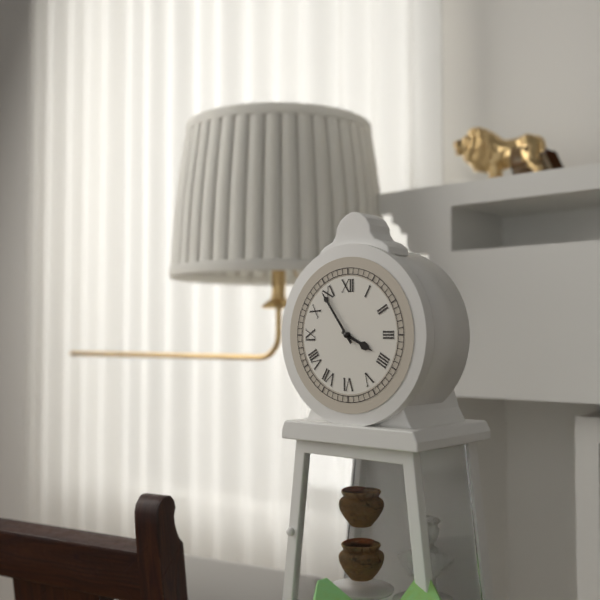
**3:54**
